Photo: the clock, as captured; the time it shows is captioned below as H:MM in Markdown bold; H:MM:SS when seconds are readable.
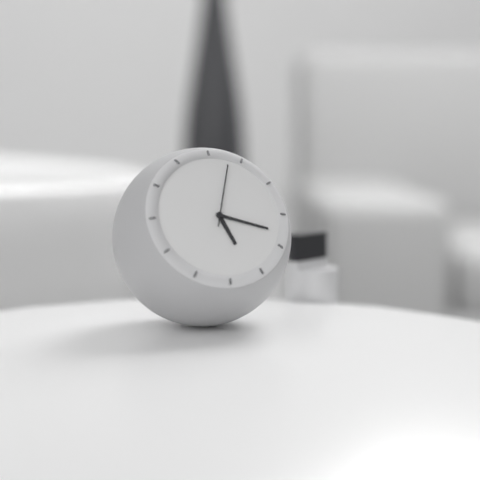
**5:18:03**
